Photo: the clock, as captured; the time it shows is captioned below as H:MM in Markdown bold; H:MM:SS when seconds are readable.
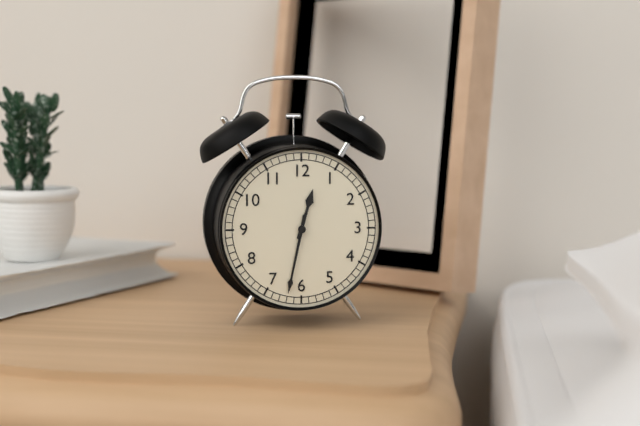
**12:32**
